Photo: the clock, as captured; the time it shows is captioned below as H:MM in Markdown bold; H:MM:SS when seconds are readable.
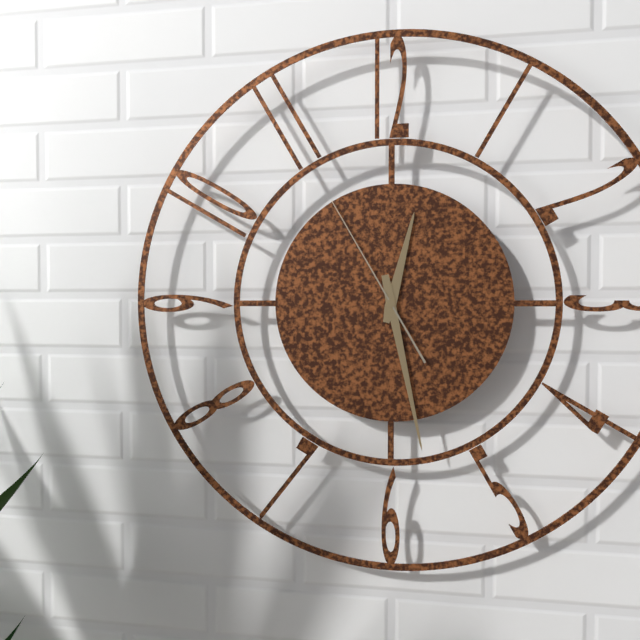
**12:28:55**
